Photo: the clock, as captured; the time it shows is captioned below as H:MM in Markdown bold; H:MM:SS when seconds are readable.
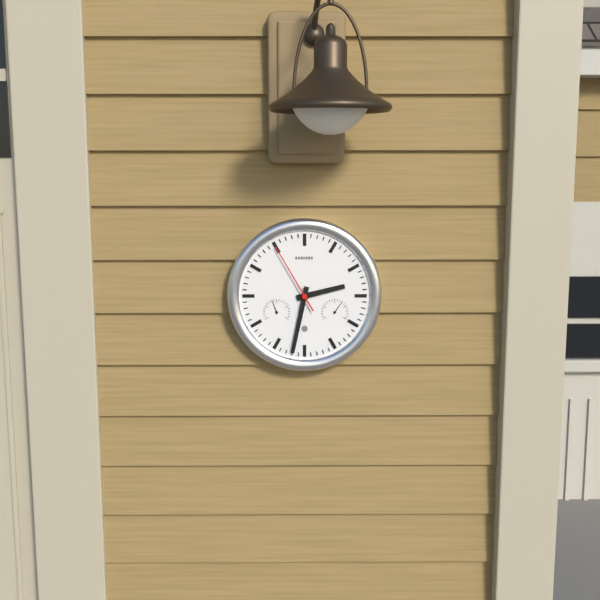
**2:32:55**
